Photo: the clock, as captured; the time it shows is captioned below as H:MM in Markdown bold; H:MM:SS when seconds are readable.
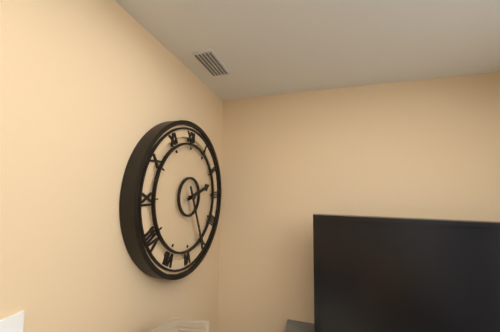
**2:26**
